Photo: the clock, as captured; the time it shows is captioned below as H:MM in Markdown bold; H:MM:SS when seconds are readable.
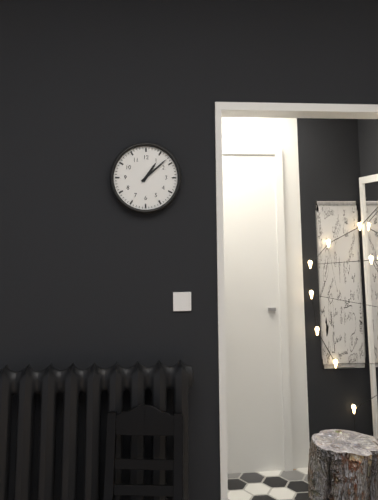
**1:08**
